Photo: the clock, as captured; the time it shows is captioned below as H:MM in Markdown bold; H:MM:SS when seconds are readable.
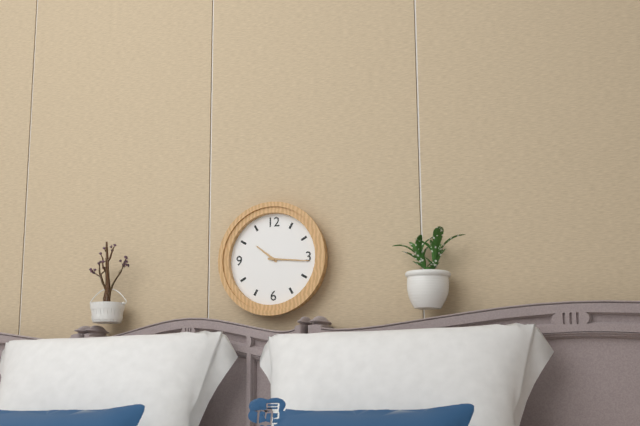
**10:16**
